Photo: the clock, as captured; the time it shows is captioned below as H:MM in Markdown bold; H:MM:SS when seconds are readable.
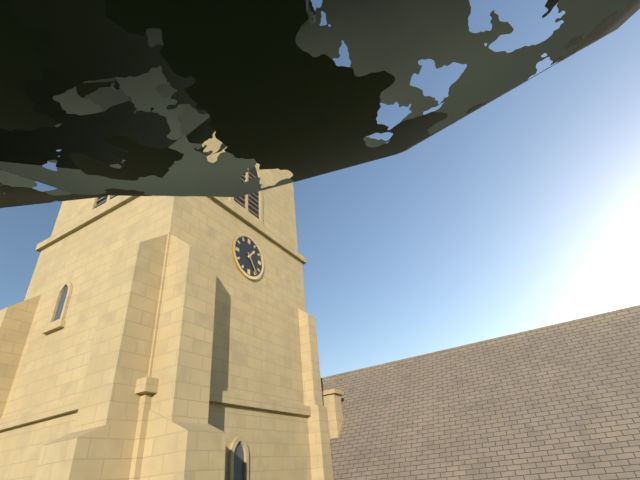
**1:24**
